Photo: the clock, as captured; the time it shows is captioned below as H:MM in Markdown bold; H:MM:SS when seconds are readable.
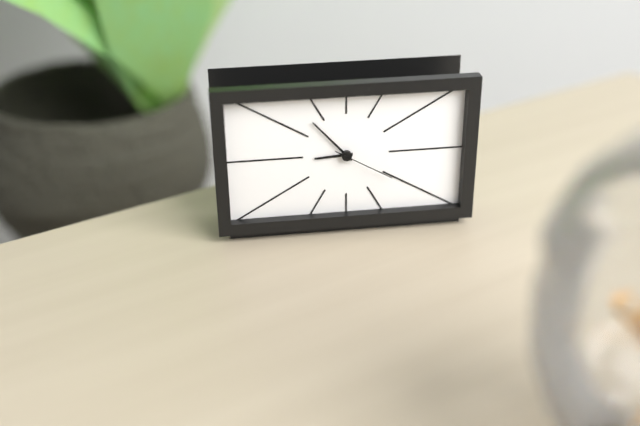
**8:53:20**
